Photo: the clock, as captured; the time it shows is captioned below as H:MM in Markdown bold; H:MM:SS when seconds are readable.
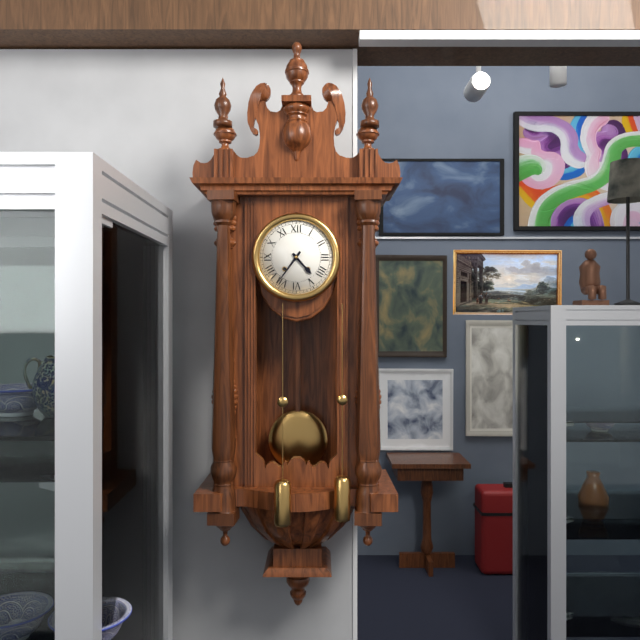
**4:36**
